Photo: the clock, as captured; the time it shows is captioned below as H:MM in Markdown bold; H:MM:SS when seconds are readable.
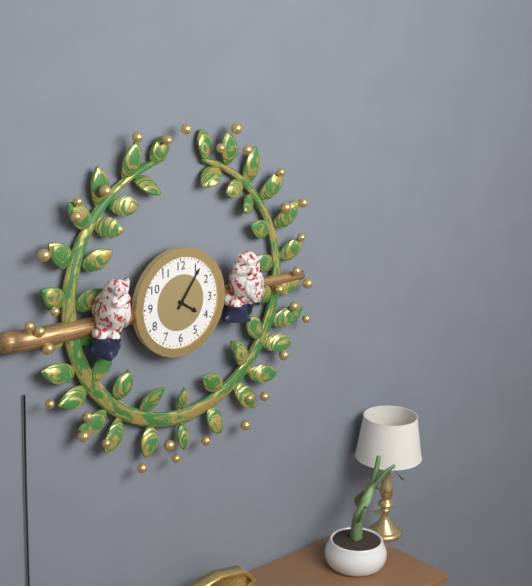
**4:06**
